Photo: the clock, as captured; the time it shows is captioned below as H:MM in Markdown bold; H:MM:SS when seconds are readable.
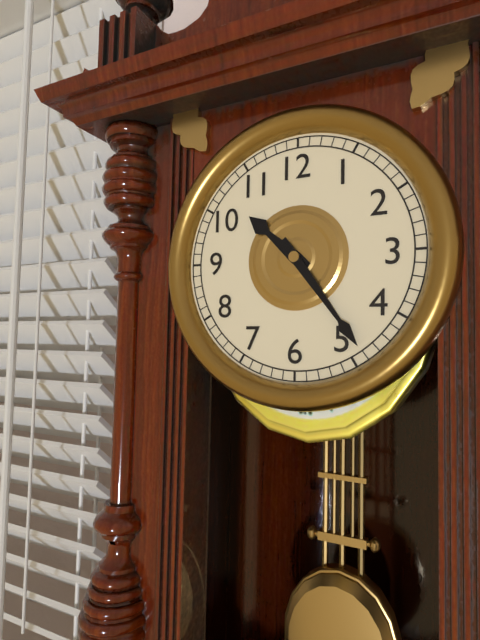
**10:24**
